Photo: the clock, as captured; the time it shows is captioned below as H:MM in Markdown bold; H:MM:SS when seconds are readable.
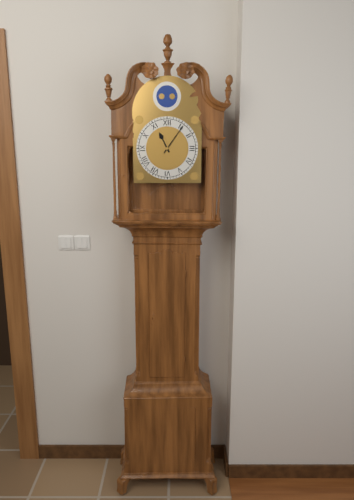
**11:06**
